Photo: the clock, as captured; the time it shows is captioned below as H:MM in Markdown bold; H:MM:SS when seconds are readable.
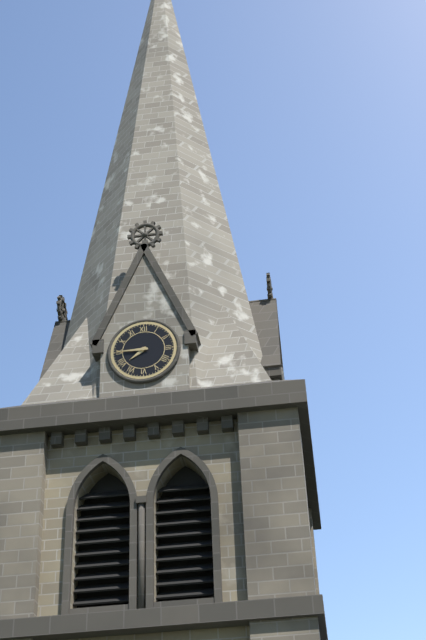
**7:45**
